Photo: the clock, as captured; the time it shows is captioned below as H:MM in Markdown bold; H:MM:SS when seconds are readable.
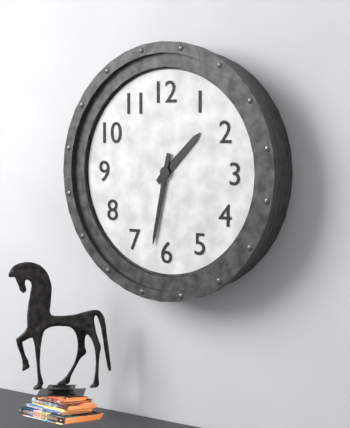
**1:32**
